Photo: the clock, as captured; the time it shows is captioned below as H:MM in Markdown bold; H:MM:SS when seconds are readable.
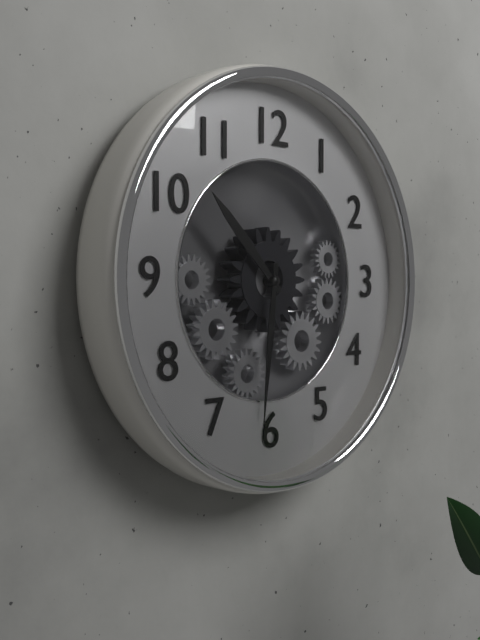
**10:31**
